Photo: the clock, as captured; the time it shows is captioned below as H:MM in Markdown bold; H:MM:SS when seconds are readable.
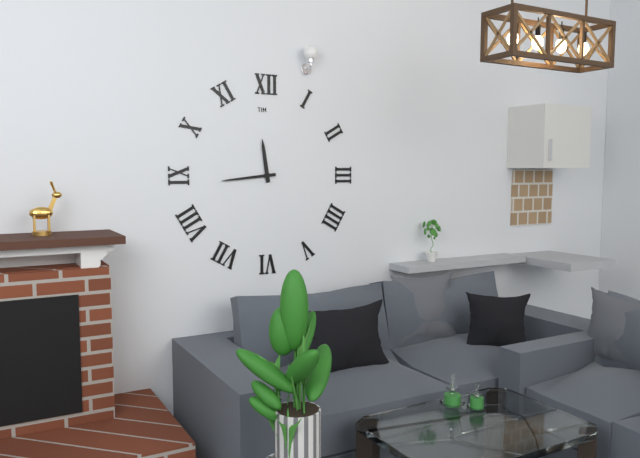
**11:44**
